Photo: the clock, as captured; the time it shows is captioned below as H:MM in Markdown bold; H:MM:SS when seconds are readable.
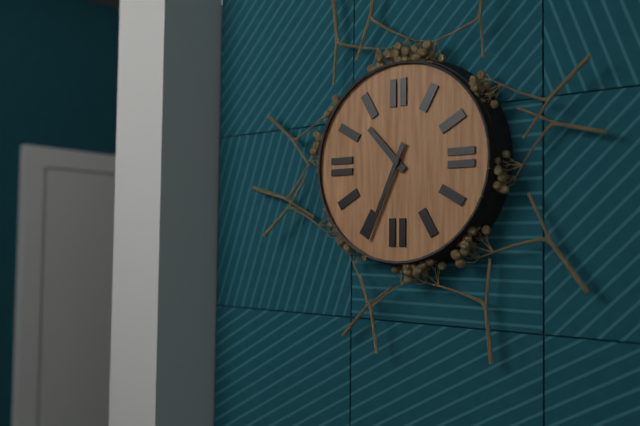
**10:34**
